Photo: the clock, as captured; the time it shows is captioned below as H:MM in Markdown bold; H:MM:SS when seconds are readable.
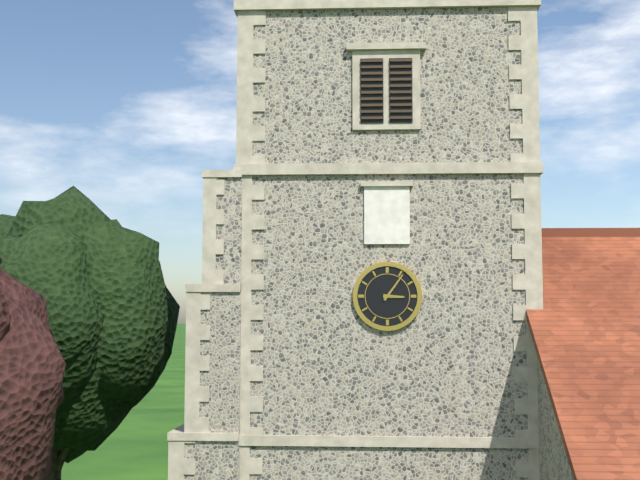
**3:06**
